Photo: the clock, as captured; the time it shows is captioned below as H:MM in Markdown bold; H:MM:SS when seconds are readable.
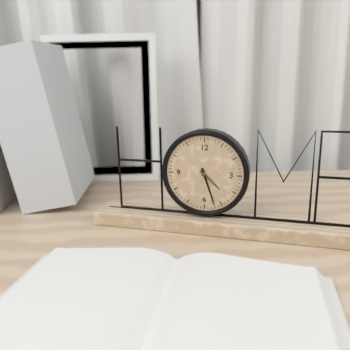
**4:27**
